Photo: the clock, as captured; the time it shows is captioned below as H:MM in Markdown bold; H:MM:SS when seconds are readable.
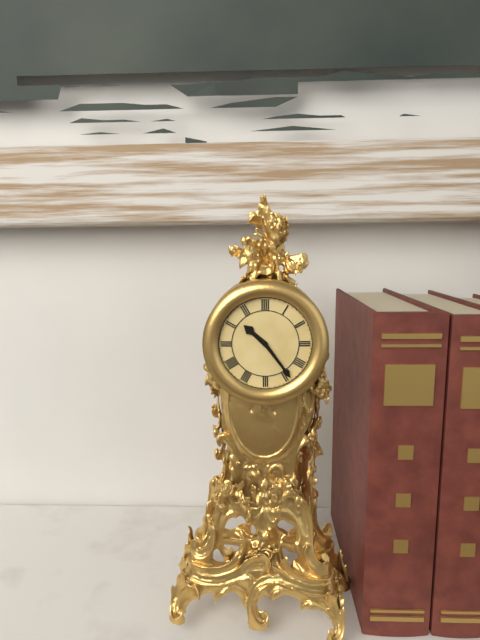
**10:24**
